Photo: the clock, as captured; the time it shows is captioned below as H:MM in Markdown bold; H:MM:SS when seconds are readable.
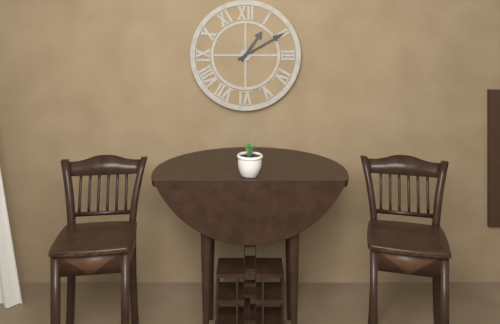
**1:10**
